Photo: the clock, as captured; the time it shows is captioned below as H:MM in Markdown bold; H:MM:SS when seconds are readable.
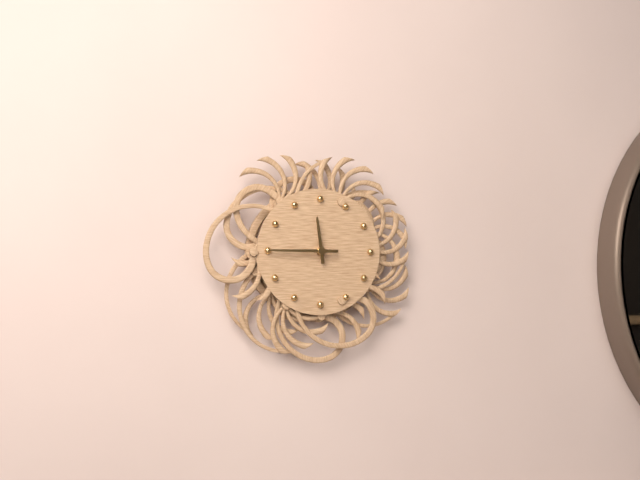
**11:45**
